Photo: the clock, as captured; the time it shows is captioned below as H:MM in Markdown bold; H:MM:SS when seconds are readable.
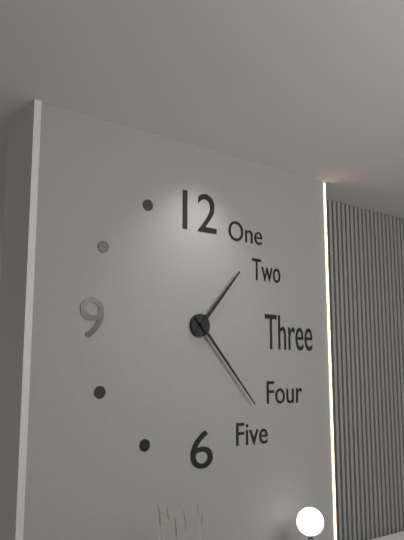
**1:23**
